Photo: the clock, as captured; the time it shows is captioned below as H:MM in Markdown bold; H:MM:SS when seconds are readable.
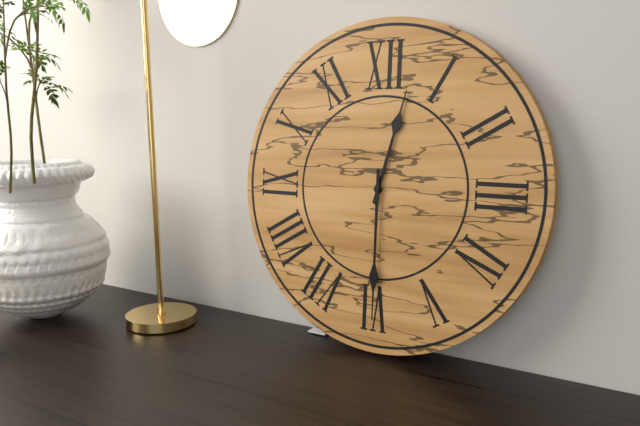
**12:30**
